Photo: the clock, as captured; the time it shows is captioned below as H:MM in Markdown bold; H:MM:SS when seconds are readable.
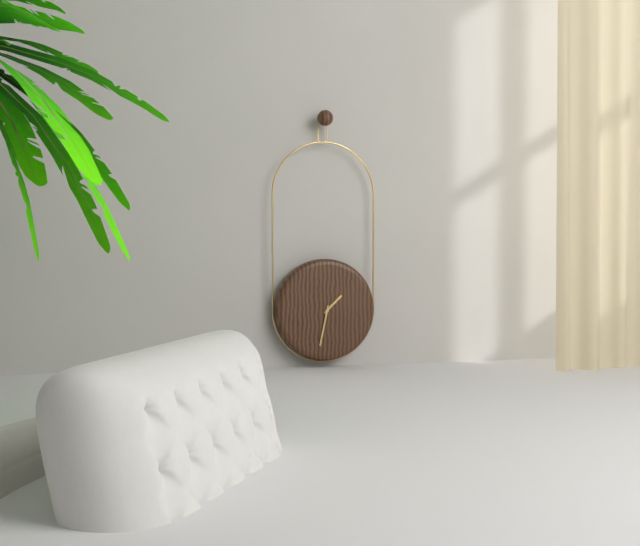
**1:32**
